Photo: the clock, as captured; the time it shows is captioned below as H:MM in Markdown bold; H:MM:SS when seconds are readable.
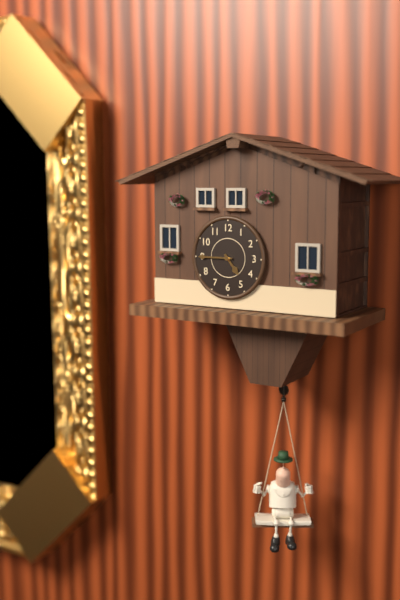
**4:45**
